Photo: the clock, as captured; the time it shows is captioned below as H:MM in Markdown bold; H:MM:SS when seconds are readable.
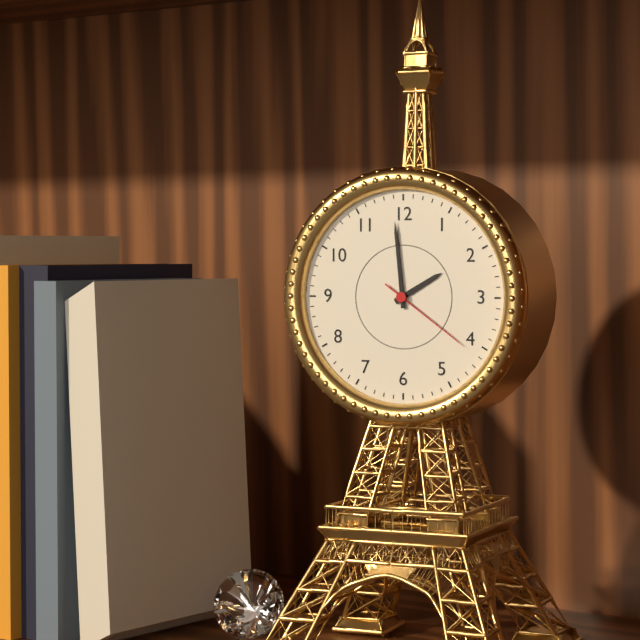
**1:59:21**
